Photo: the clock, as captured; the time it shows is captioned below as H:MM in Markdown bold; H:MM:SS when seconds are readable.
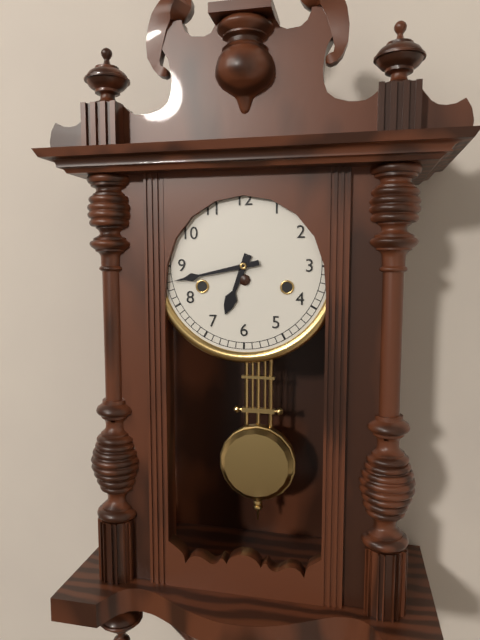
**6:43**
